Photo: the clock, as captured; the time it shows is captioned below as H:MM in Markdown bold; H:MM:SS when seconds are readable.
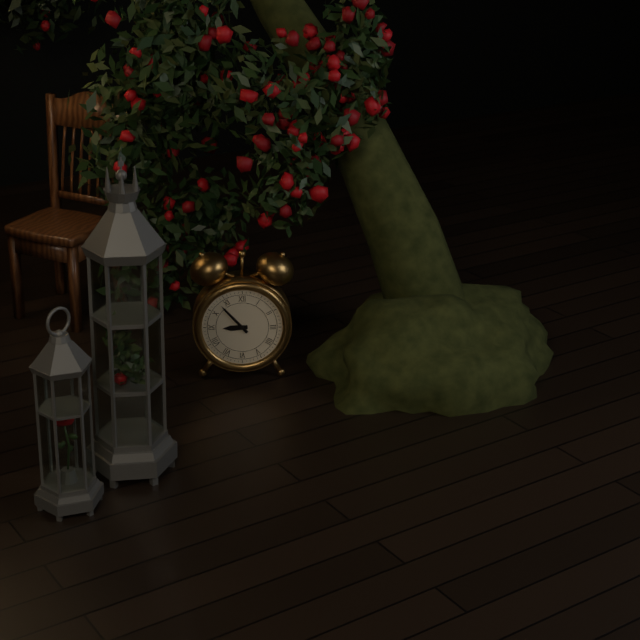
**8:53**
